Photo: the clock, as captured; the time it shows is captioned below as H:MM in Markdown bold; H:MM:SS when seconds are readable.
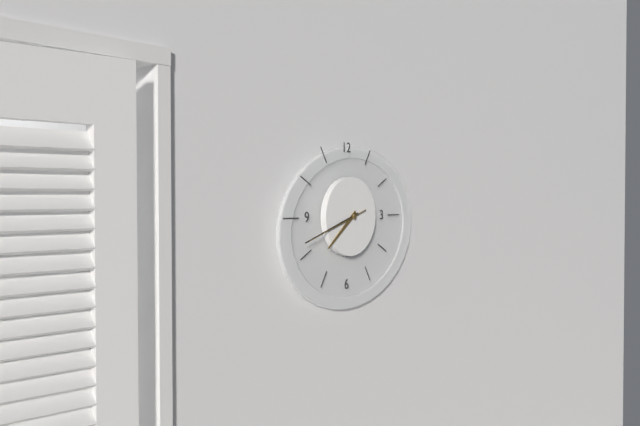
**7:42:42**
